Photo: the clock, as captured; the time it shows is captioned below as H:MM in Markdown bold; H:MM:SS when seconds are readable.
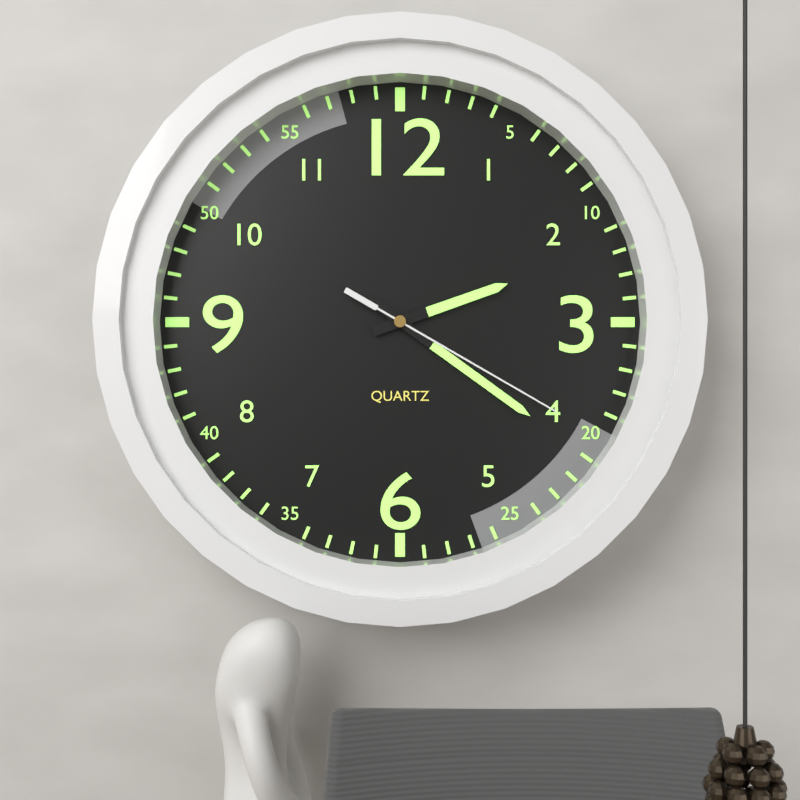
**2:21:20**
